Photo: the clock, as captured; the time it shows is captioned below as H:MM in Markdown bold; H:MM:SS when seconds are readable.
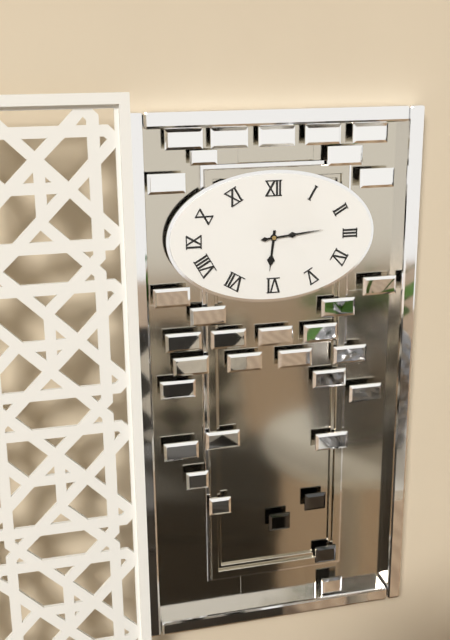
**6:14**
